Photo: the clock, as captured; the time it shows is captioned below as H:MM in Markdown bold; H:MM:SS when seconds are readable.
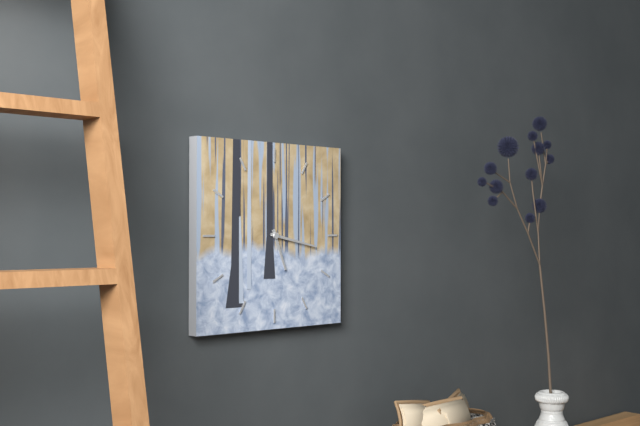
**5:17**
